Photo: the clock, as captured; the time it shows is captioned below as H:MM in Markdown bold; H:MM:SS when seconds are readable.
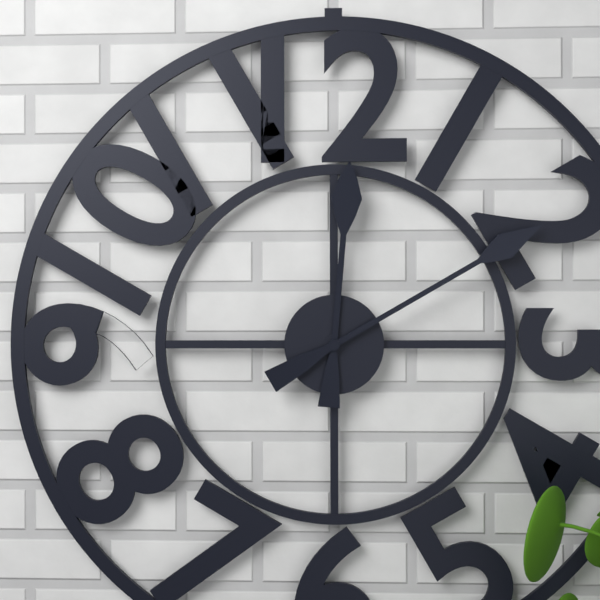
**12:10**
